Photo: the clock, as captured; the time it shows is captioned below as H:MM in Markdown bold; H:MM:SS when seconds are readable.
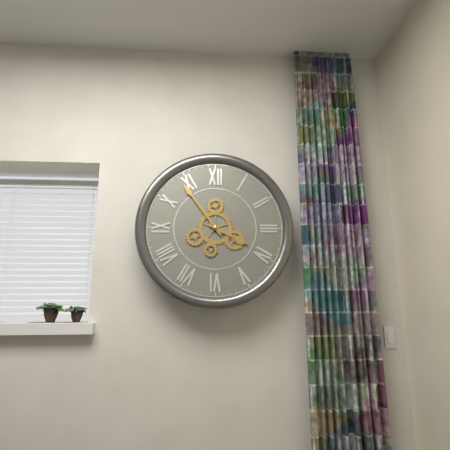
**3:54**
